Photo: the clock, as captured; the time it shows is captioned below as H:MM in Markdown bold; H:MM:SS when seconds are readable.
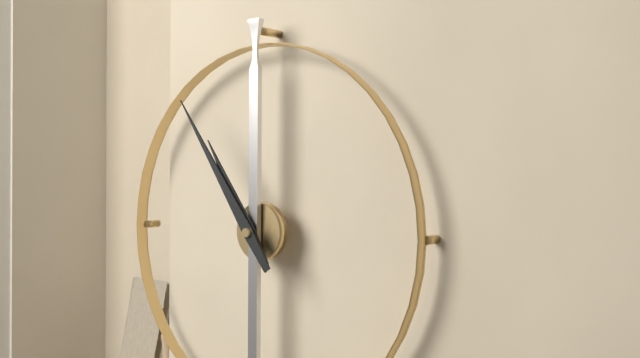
**10:54**
